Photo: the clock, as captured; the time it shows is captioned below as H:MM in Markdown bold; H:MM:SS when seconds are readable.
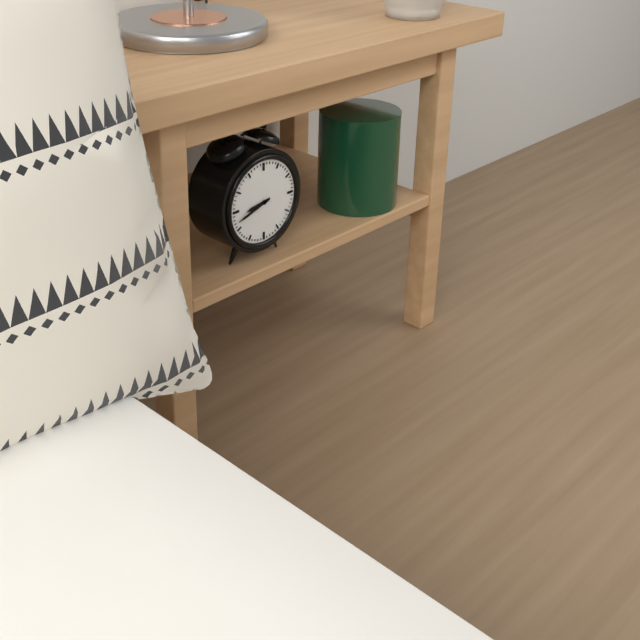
**8:42**
